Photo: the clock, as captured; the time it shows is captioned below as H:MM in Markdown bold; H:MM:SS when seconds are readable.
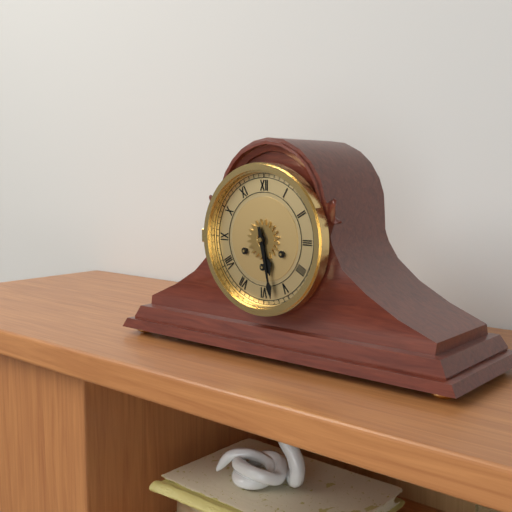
**5:28**
